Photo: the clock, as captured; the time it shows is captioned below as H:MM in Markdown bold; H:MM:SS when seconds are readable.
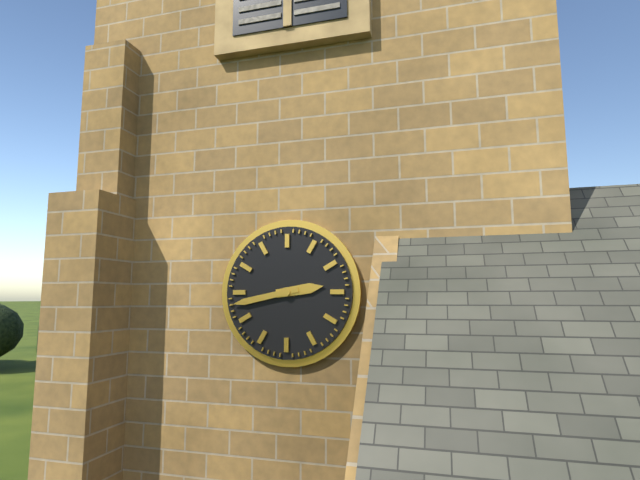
**2:43**
